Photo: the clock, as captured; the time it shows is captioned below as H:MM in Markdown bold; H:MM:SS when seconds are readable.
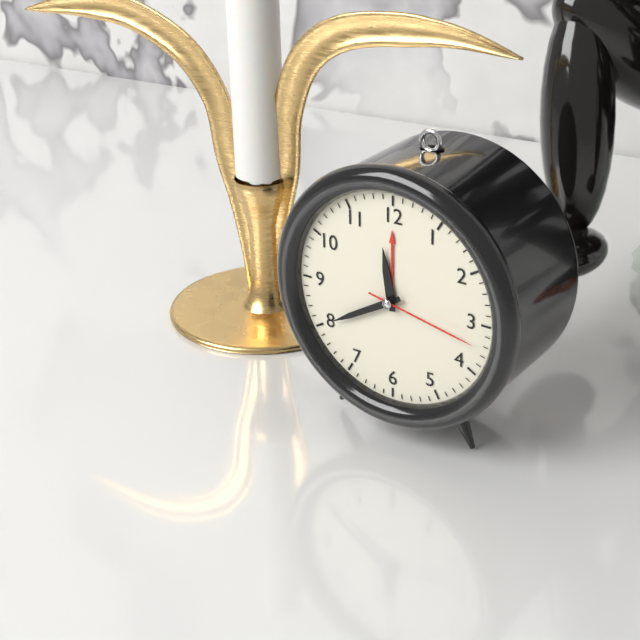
**11:40:17**
